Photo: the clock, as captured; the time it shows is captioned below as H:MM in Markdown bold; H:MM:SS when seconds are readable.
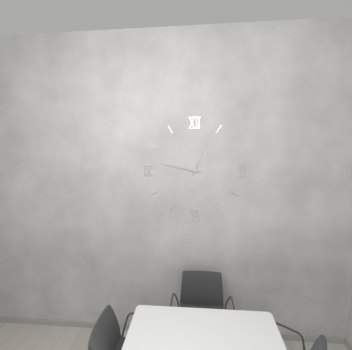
**12:47**
